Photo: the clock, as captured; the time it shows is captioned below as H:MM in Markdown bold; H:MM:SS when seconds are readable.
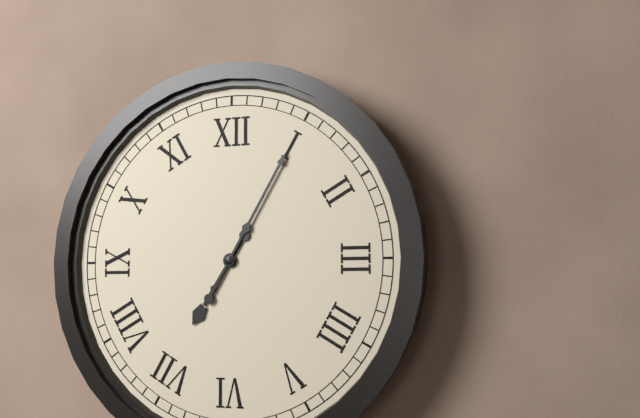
**7:05**
